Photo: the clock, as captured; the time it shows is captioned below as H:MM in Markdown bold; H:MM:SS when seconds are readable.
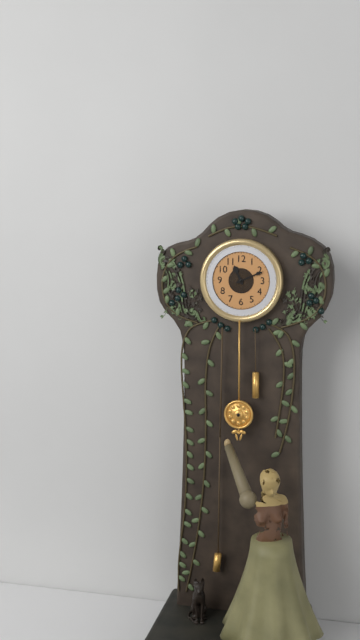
**11:11**
